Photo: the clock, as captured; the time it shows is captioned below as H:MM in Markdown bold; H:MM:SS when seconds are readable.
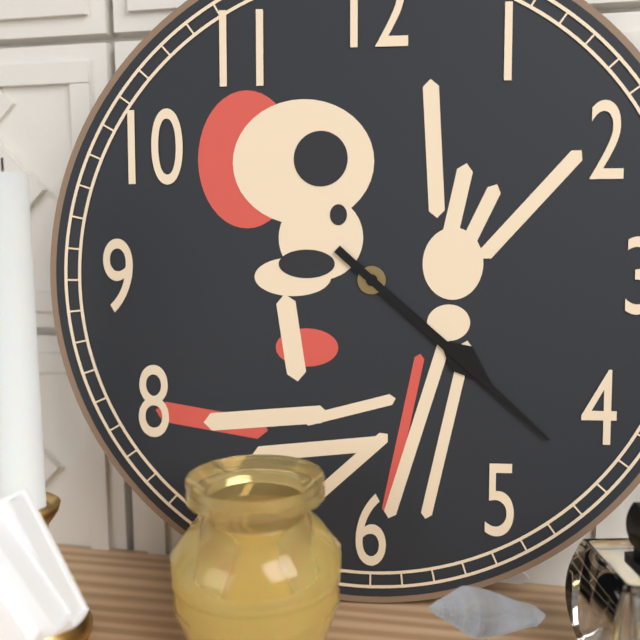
**4:22**
